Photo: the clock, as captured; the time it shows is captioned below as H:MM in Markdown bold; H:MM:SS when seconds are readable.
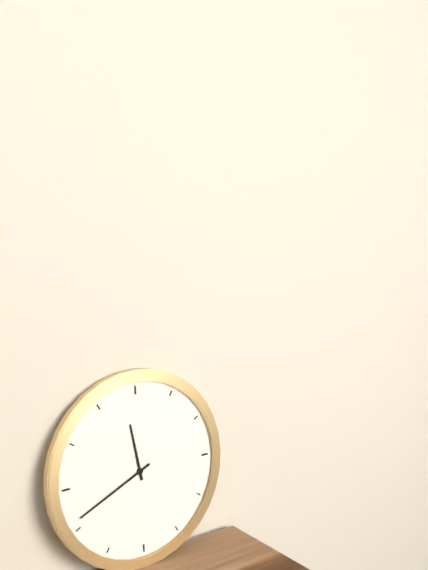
**11:41**
